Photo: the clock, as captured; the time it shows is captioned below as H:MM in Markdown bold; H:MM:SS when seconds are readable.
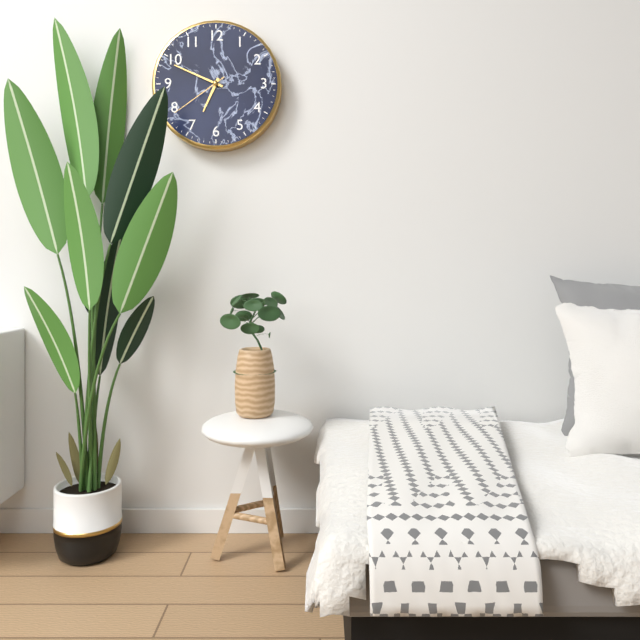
**6:49:39**
